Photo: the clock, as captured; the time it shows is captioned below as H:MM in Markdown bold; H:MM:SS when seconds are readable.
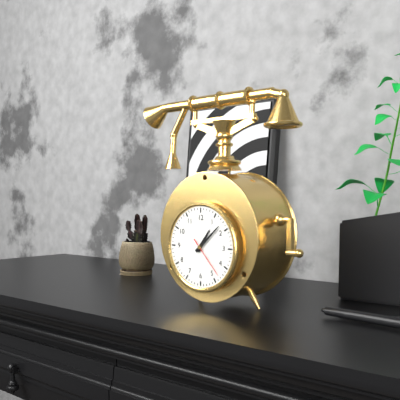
**1:08**
